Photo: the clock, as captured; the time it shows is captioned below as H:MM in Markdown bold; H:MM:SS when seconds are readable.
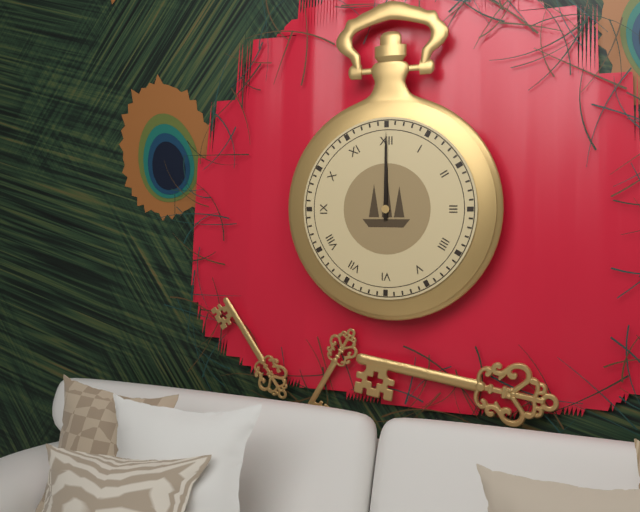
**12:00**
